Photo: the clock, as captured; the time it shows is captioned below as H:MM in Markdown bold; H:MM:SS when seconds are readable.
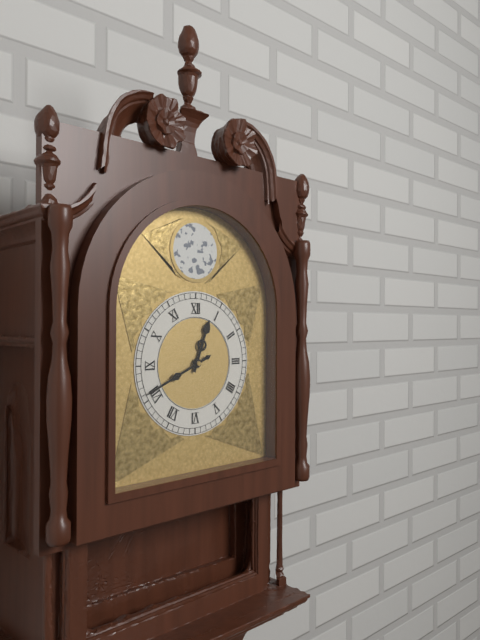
**12:41**
